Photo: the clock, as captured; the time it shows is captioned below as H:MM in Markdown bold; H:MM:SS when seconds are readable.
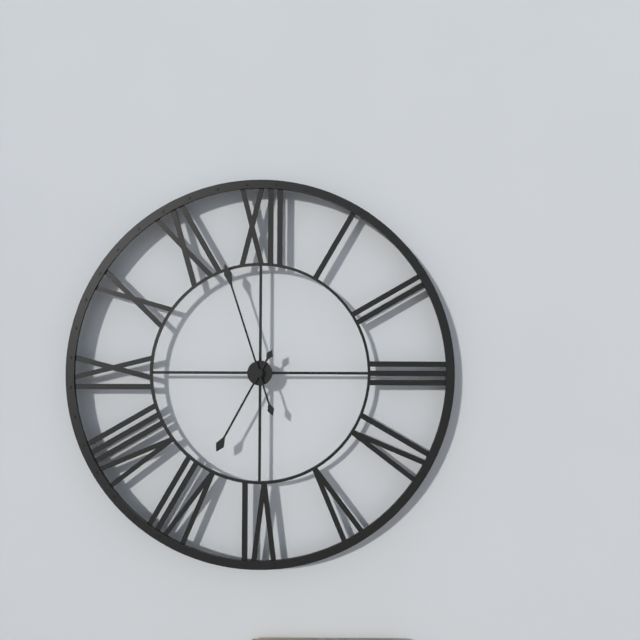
**6:57**
